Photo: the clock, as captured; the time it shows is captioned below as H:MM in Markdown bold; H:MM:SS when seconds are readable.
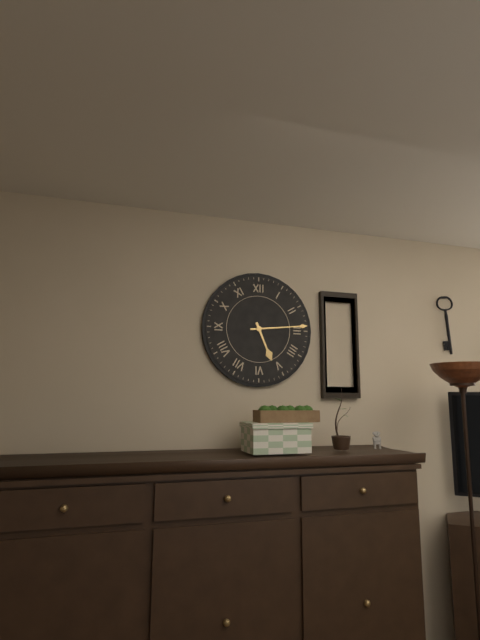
**5:14**
